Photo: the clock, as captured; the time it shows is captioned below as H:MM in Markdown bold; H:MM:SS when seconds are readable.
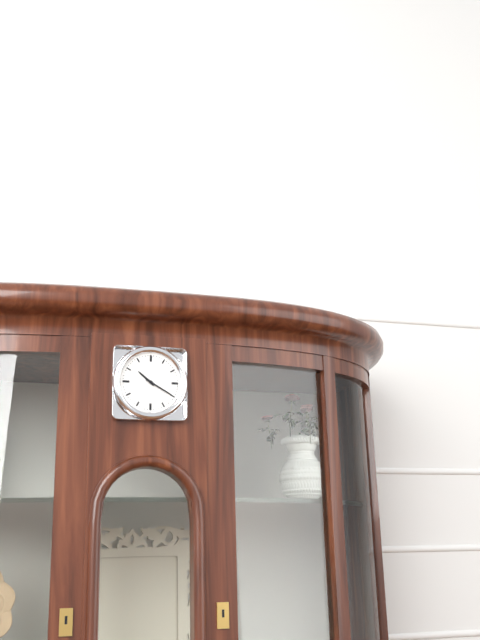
**10:20**
